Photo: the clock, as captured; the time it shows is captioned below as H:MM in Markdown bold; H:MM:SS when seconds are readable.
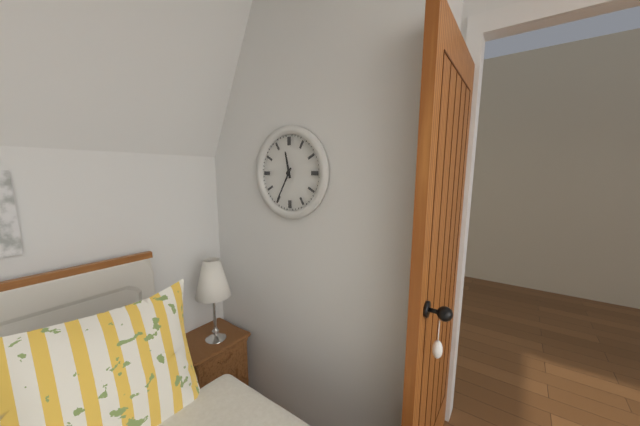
**11:35**
